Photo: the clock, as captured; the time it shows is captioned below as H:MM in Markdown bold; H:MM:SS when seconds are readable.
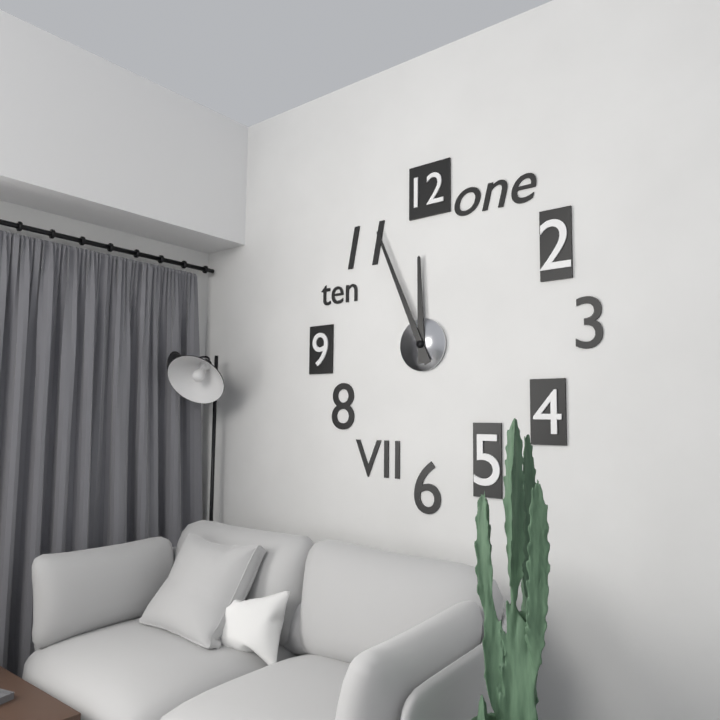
**11:56**
